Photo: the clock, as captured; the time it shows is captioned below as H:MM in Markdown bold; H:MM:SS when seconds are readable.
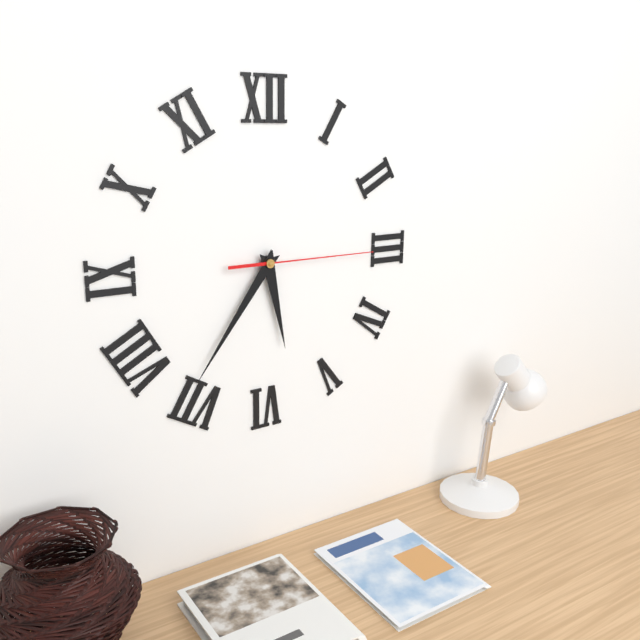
**5:36:15**
